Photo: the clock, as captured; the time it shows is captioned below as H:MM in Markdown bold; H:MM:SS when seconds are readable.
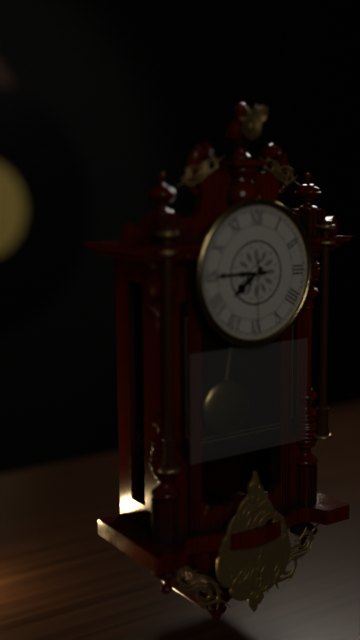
**7:45:30**
